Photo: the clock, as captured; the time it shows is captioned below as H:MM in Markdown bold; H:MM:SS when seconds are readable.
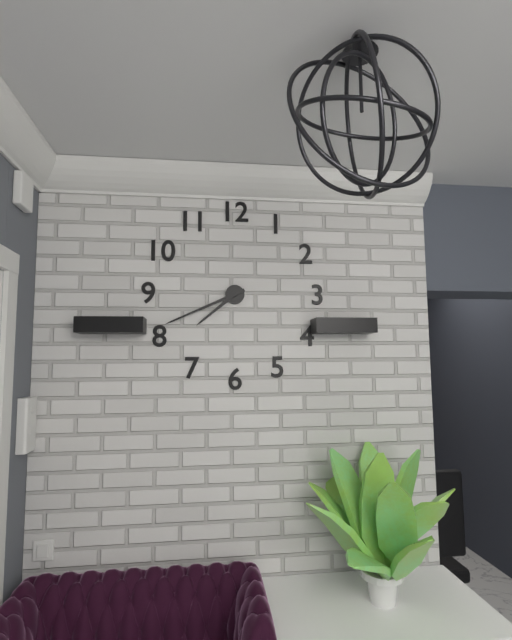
**7:41**
